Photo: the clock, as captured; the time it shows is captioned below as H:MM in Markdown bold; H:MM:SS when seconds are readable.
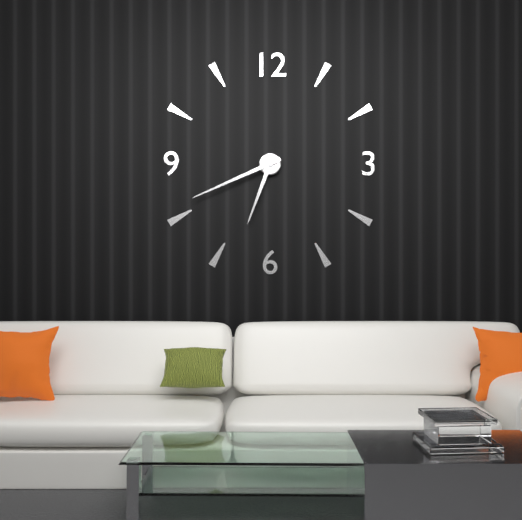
**6:41**
